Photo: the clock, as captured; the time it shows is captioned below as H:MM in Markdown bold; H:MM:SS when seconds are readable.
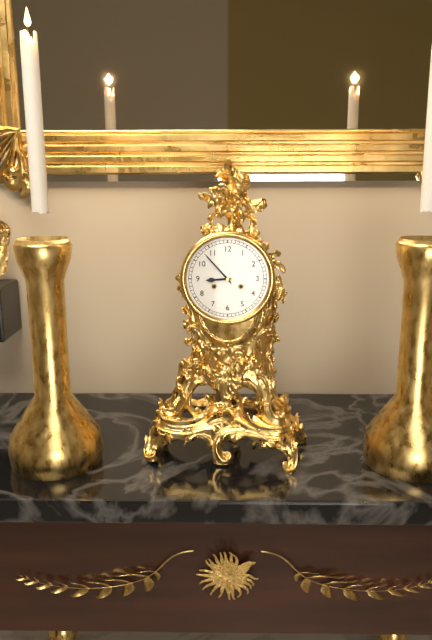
**8:53**
